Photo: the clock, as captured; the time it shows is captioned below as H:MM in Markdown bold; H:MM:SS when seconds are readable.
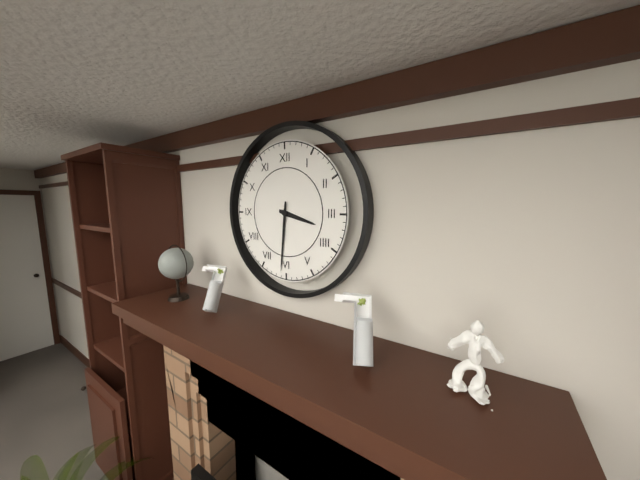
**3:31**
